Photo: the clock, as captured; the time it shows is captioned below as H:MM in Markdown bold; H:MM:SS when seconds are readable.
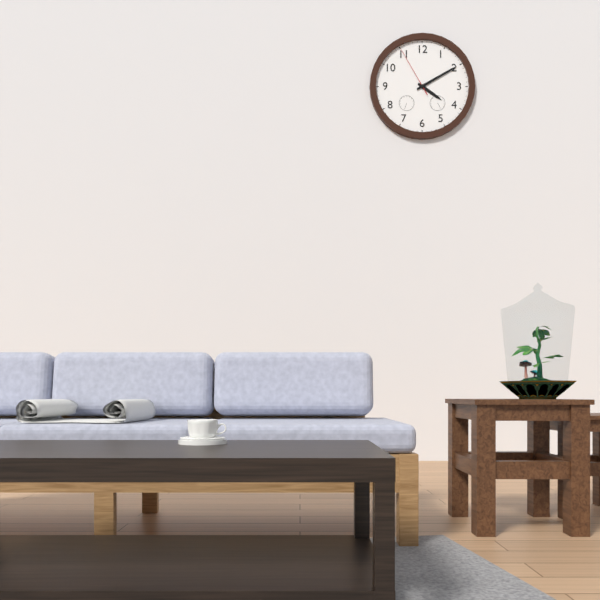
**4:10:55**
